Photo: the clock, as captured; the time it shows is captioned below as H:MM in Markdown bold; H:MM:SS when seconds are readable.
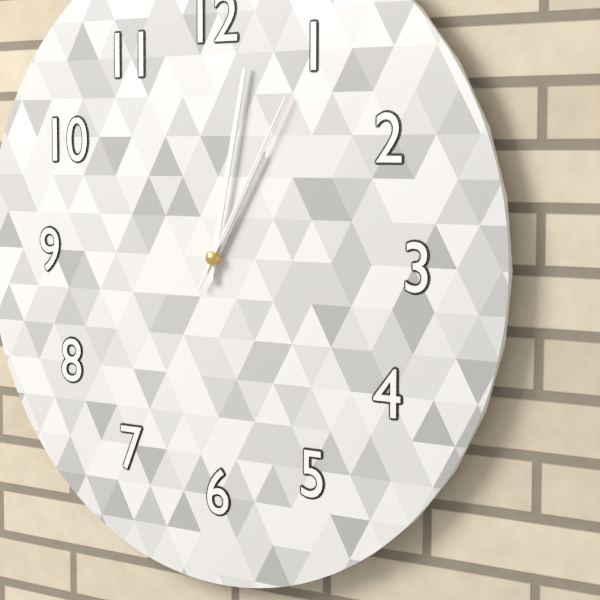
**1:02:05**
